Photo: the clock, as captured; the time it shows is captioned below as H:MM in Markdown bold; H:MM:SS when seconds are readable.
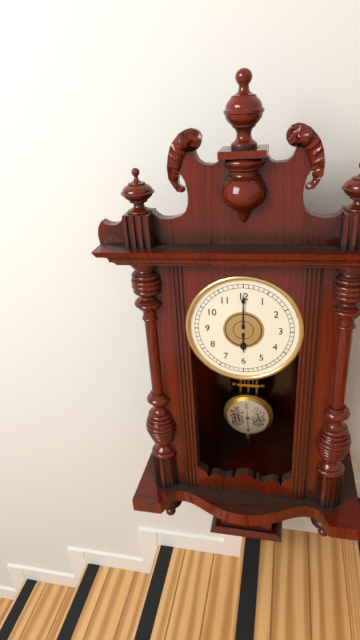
**6:00**
